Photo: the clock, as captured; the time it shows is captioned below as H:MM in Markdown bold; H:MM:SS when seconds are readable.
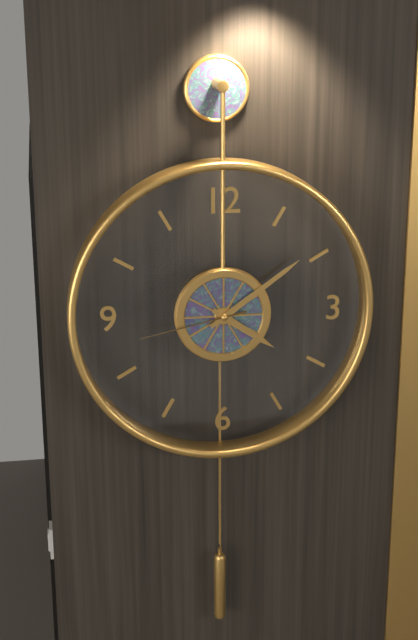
**4:09:43**
